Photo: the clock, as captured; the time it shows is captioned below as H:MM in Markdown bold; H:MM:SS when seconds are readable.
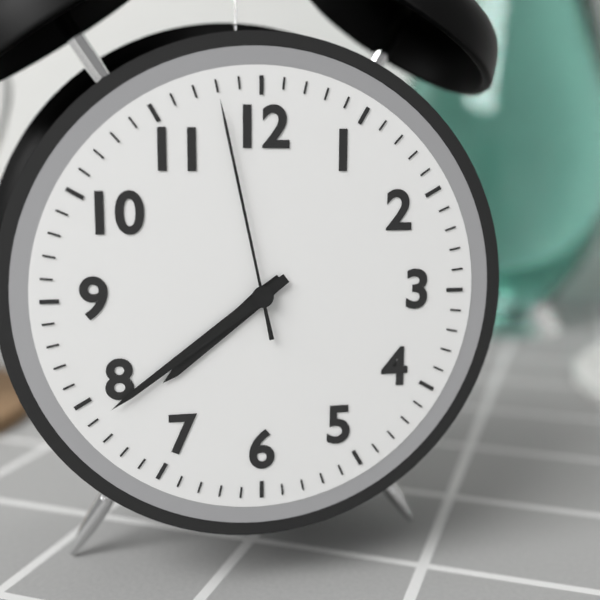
**7:39:58**
